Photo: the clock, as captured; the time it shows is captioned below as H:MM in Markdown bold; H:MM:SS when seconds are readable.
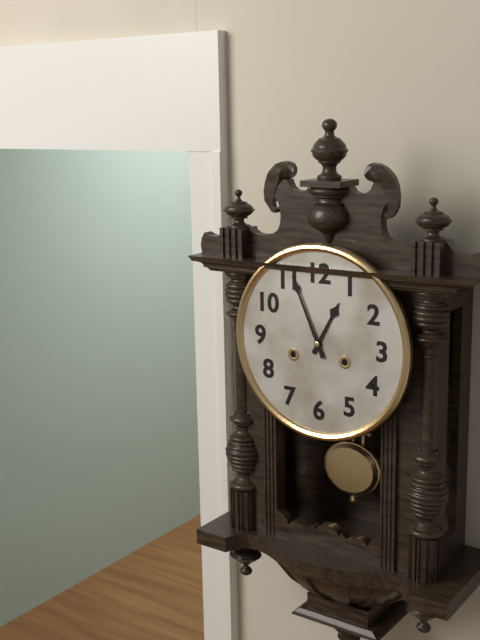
**12:56**
